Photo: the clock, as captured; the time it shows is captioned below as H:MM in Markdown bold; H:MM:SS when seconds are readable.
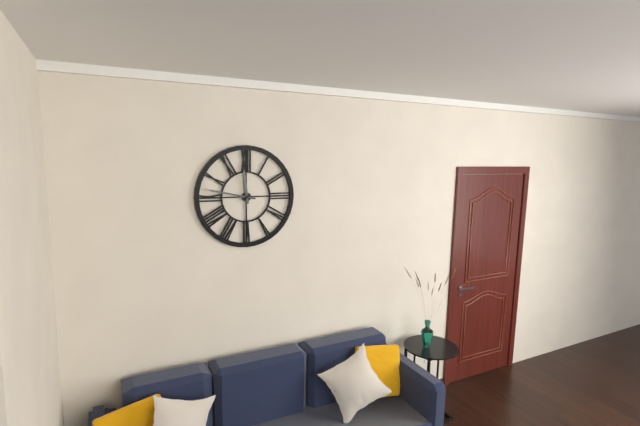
**11:47**
